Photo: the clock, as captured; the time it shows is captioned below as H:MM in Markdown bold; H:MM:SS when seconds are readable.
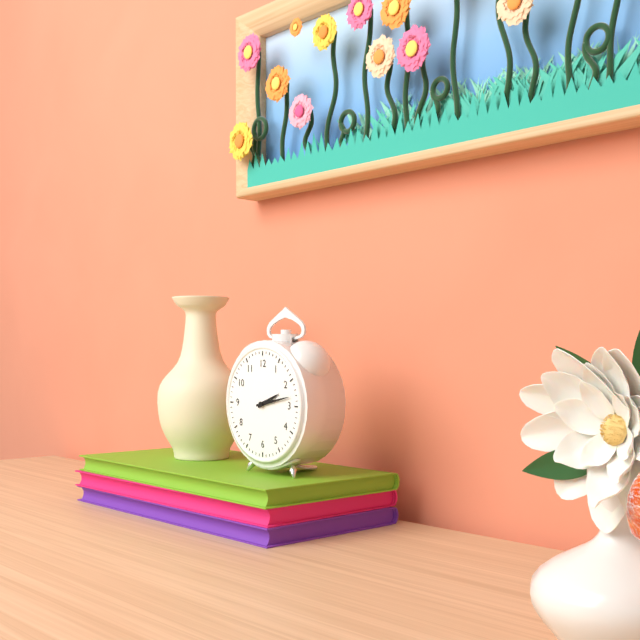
**2:13**
